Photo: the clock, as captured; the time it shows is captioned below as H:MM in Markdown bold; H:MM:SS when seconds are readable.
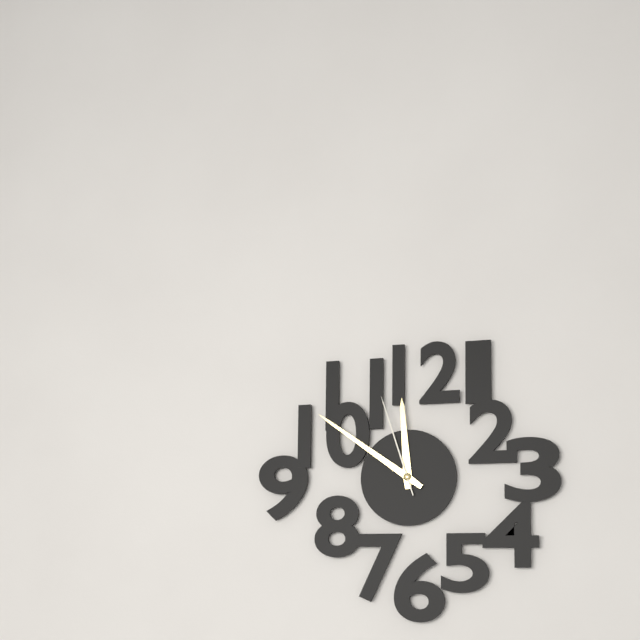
**11:51:57**
